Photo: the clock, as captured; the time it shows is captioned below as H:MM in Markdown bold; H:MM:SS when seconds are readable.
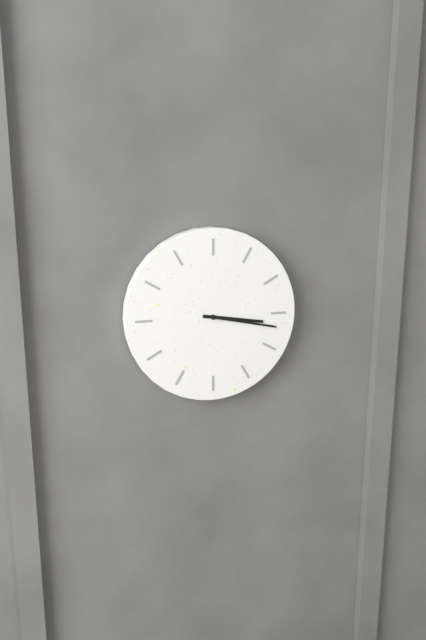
**3:17**
